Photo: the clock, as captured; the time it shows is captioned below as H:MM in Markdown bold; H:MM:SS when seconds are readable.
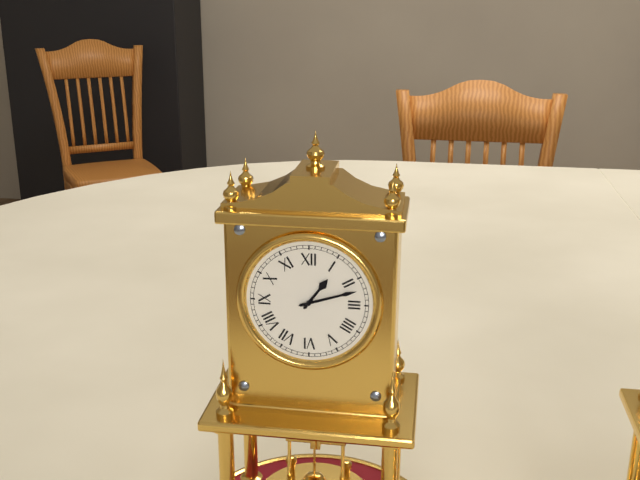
**1:12**
